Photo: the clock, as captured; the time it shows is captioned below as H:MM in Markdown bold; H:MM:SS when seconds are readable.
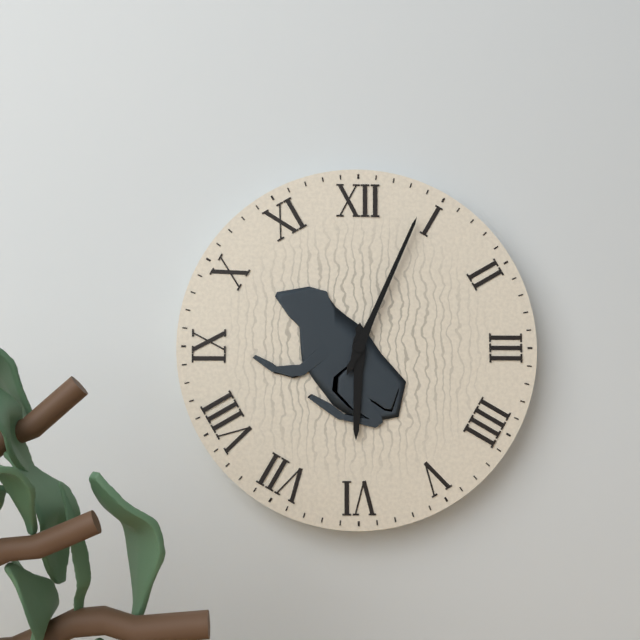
**6:04**
